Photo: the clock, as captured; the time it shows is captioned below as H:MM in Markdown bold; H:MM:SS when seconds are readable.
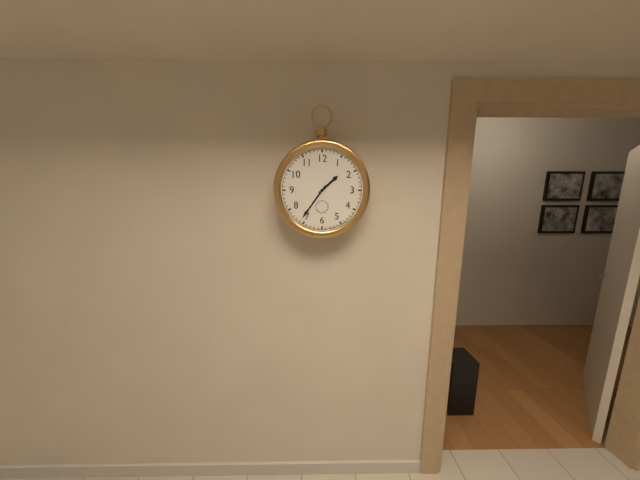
**1:36**
